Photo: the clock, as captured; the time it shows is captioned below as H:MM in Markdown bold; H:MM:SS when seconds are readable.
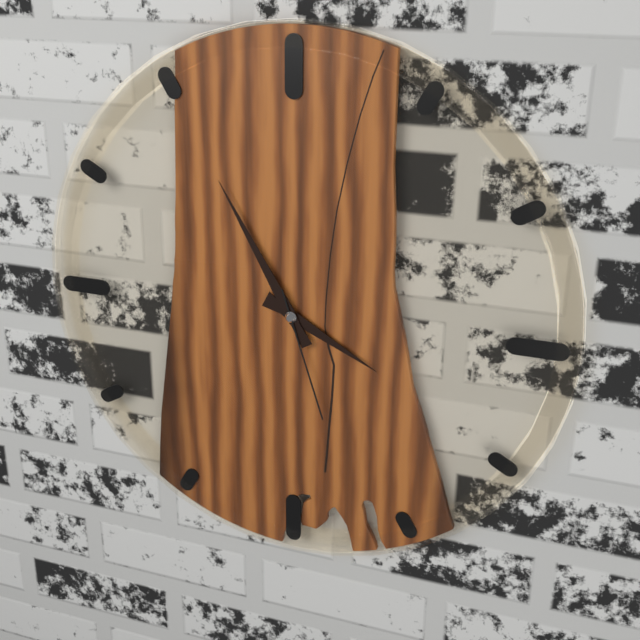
**3:55:27**
